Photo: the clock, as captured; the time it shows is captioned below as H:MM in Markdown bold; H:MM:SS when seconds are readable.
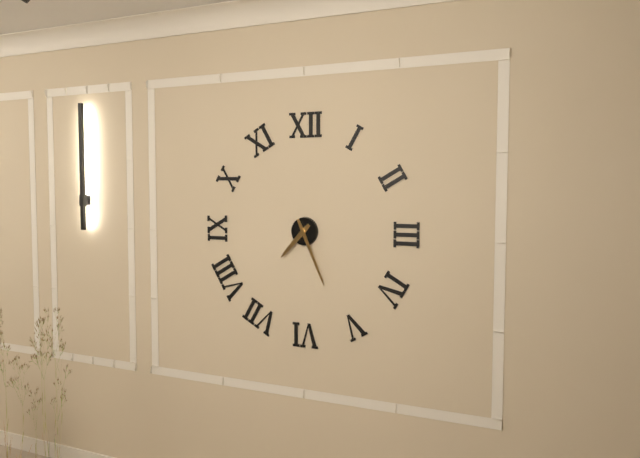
**7:26**
